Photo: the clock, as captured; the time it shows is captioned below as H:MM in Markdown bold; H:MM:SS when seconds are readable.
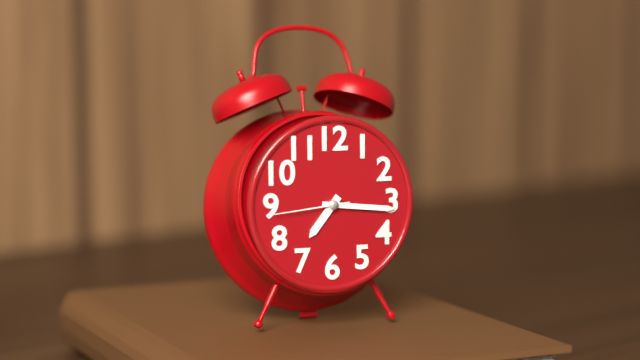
**7:16:44**
